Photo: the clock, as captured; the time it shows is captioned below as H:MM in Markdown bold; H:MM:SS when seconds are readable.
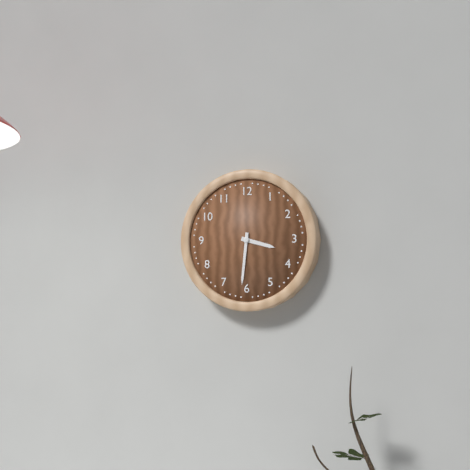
**3:31**
